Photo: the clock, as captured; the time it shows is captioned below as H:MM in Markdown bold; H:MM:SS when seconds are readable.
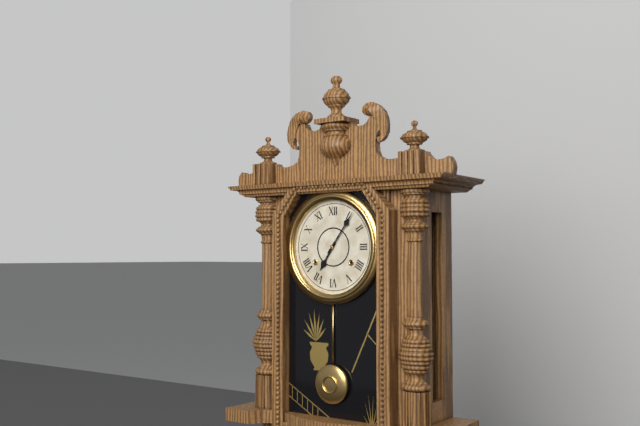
**7:06**
